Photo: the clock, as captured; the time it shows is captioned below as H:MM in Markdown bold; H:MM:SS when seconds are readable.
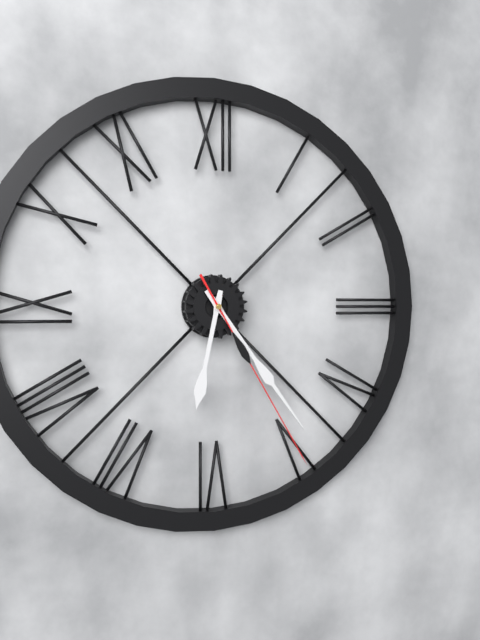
**6:24:25**
